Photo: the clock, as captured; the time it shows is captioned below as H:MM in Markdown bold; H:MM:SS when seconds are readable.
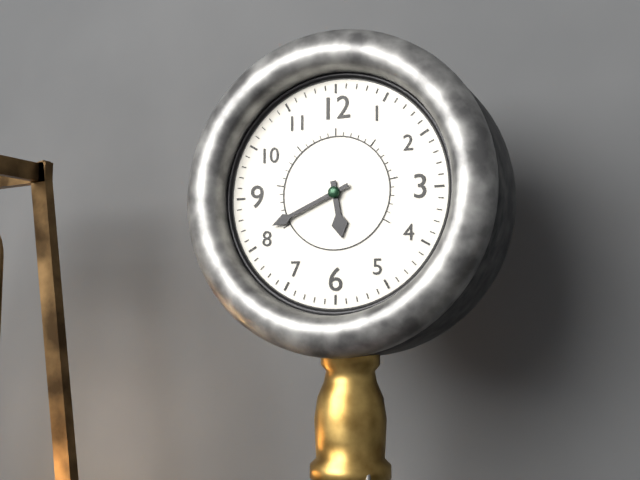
**5:41**
